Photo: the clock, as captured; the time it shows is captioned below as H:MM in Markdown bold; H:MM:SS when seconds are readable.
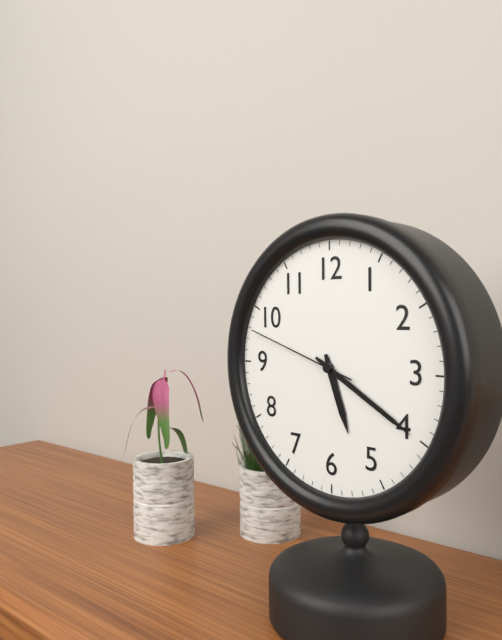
**5:20:48**
